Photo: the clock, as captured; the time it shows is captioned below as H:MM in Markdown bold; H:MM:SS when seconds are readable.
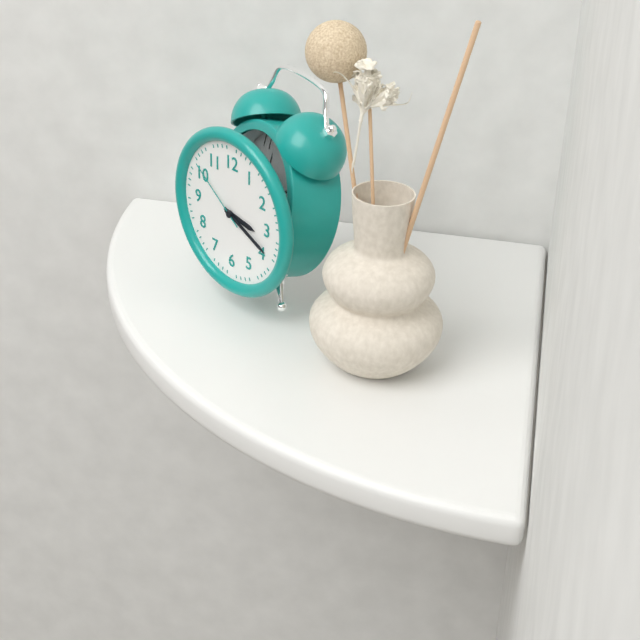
**3:19:51**
